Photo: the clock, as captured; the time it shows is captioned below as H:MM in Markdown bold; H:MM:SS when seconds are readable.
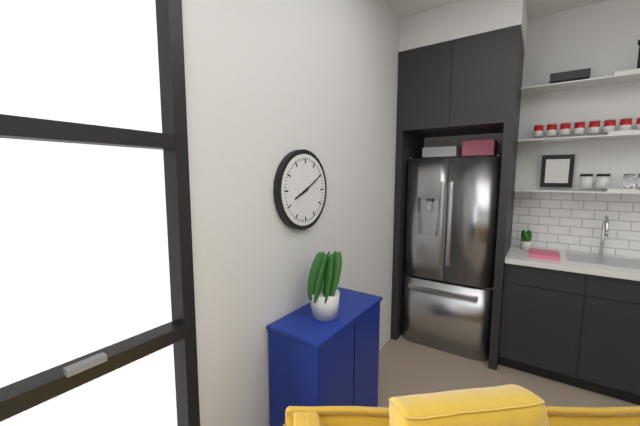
**8:10**
